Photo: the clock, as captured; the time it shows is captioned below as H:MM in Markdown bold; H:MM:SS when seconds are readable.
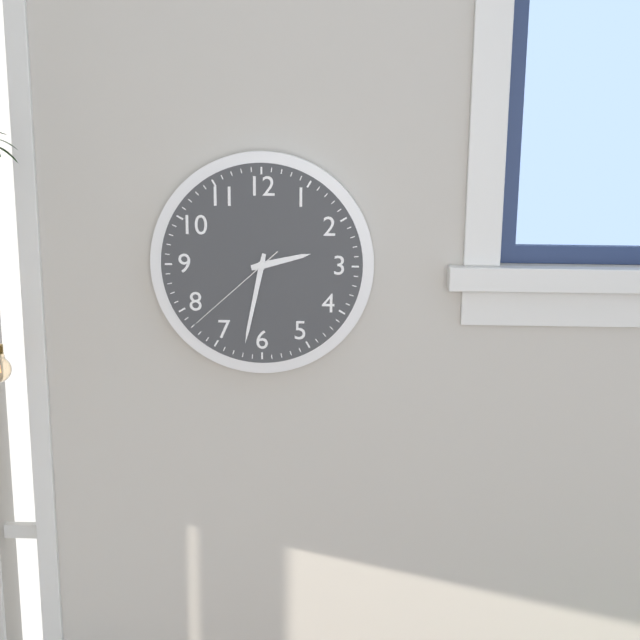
**2:32:38**
